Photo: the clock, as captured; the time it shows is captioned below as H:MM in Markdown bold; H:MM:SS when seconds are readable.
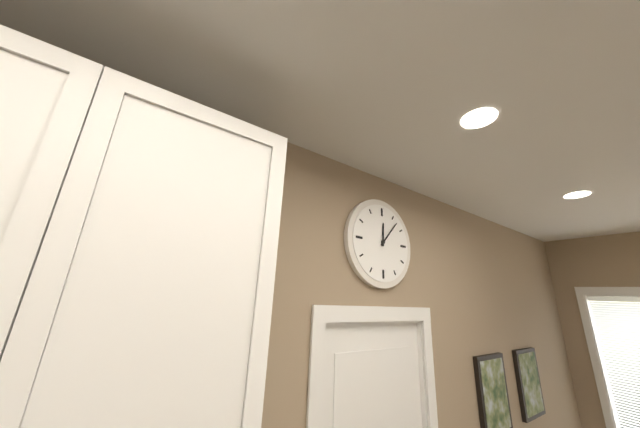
**12:07**
